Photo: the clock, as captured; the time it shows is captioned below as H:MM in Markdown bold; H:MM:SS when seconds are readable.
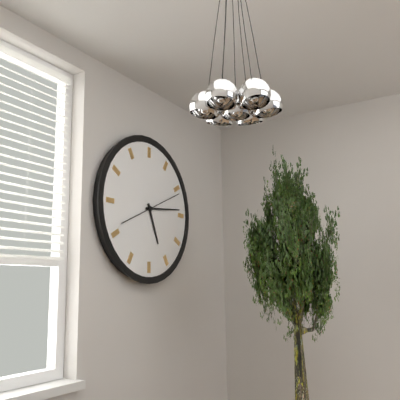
**5:14**
